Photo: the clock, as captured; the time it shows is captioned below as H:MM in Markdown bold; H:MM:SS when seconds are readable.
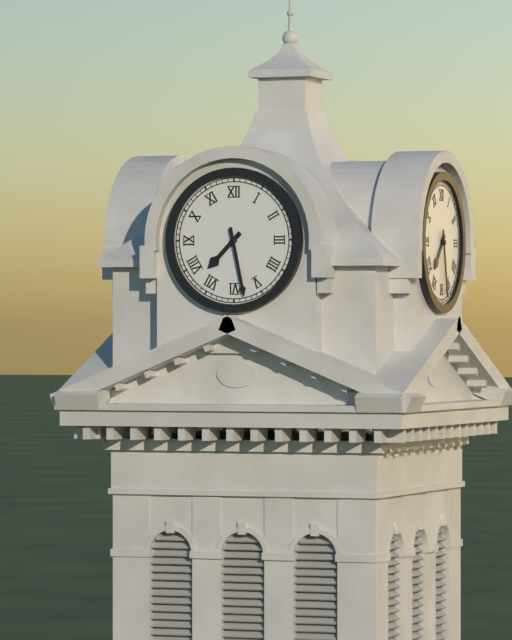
**7:28**
